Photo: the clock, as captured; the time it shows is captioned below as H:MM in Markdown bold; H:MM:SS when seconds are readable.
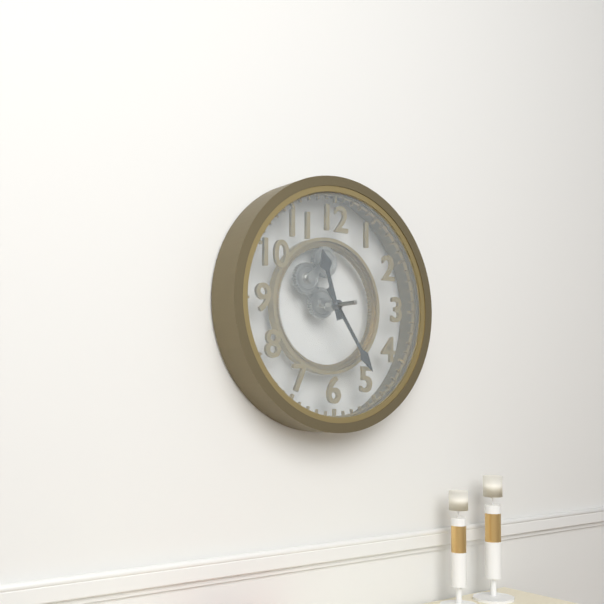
**11:24**
